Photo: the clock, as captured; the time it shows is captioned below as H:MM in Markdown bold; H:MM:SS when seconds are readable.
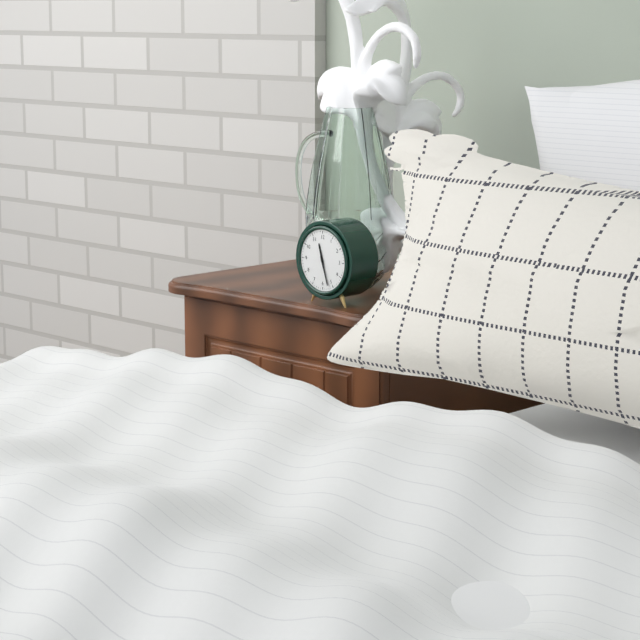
**11:27**
